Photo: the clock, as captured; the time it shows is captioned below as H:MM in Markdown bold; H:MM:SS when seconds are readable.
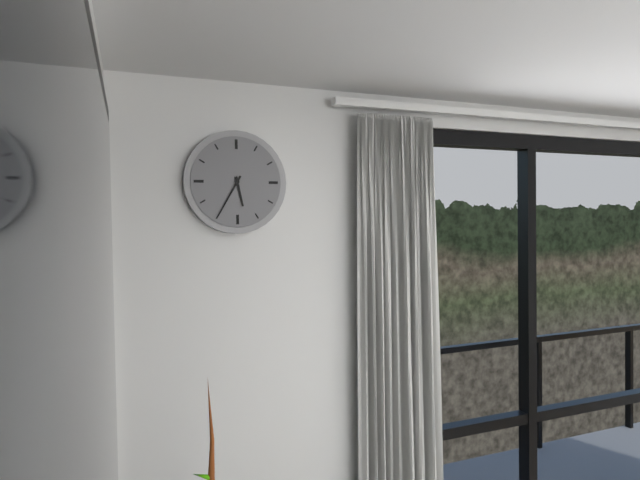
**5:35**
